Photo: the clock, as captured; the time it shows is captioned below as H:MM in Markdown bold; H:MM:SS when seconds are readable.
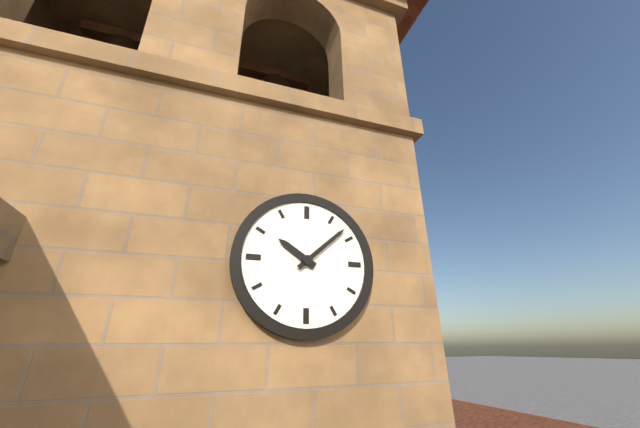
**10:08**
